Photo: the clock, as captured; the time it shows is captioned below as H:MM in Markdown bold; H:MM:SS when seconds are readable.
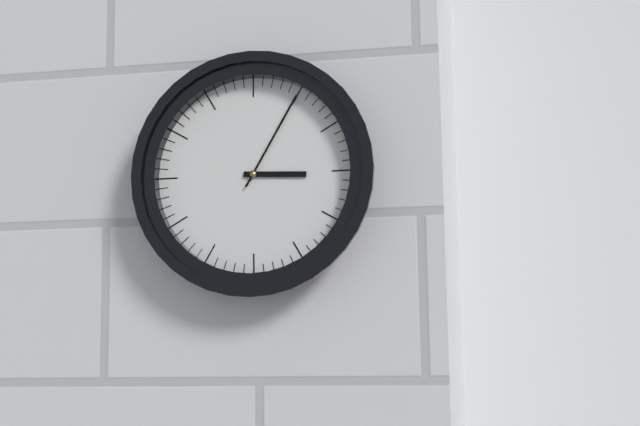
**3:05**
